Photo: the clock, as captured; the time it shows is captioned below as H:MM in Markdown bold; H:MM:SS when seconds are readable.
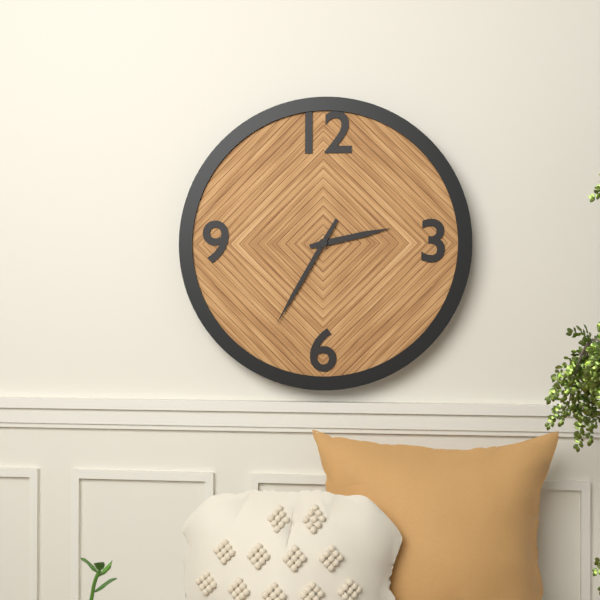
**2:35**
